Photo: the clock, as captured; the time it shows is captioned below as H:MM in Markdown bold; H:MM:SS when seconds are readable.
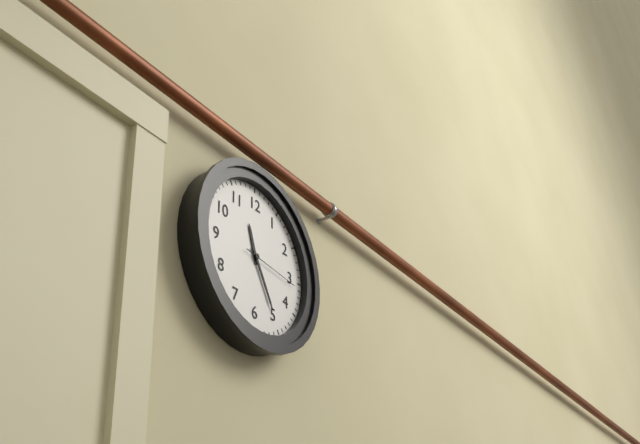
**11:25:16**
